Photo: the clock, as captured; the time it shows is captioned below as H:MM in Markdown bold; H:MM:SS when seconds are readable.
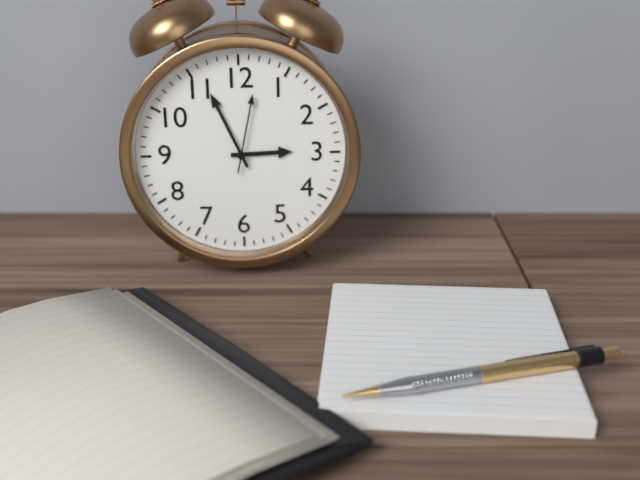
**2:56:02**
